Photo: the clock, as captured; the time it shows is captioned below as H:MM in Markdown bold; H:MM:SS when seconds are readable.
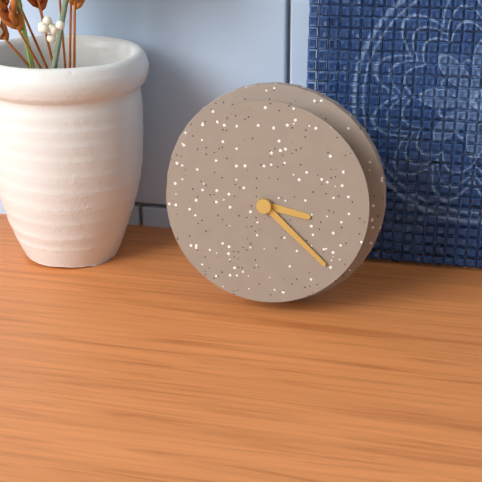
**3:22**
